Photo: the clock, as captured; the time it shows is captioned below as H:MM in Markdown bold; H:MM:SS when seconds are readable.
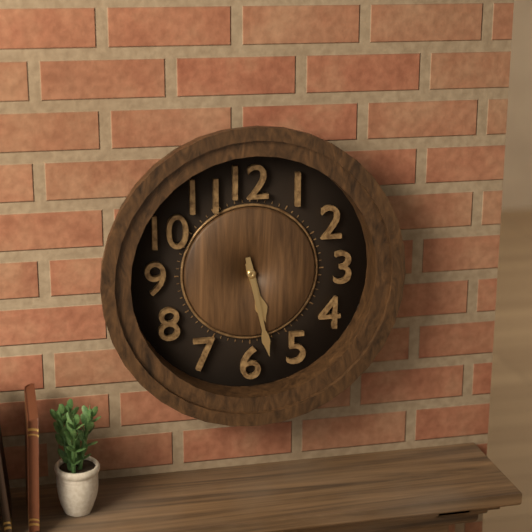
**5:28**
